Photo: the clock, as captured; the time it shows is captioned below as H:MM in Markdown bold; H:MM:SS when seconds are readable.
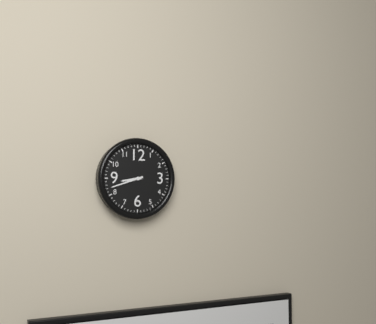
**8:42**
